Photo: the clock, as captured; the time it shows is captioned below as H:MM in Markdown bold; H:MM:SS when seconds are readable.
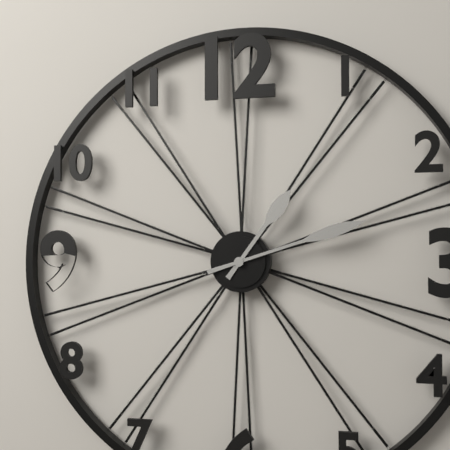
**1:12**
